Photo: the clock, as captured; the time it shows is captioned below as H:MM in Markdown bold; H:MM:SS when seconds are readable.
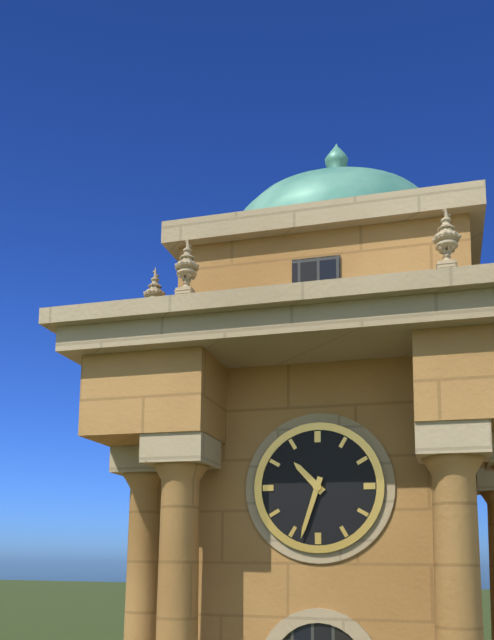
**10:33**
